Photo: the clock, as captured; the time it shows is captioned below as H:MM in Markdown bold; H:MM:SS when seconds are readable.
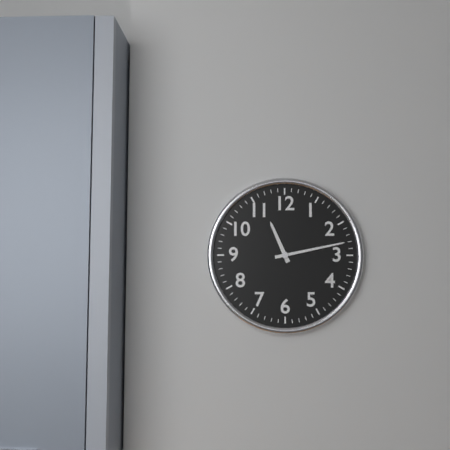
**11:13**
